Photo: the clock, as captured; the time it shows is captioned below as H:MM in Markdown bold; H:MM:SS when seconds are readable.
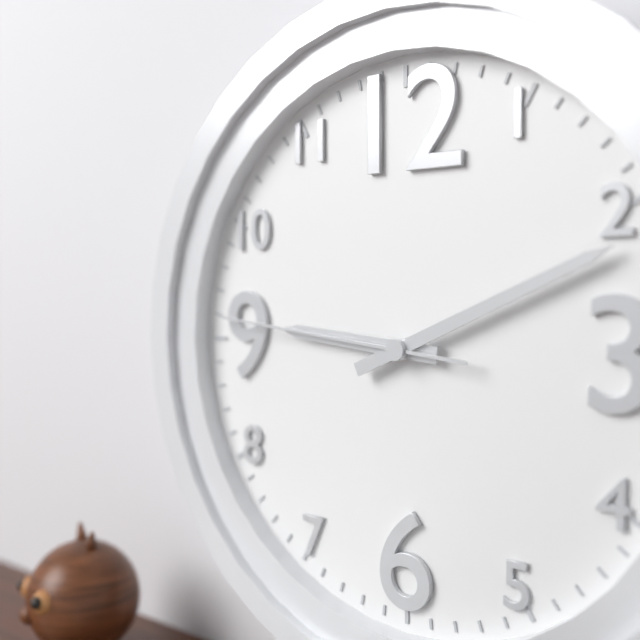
**9:11:46**
